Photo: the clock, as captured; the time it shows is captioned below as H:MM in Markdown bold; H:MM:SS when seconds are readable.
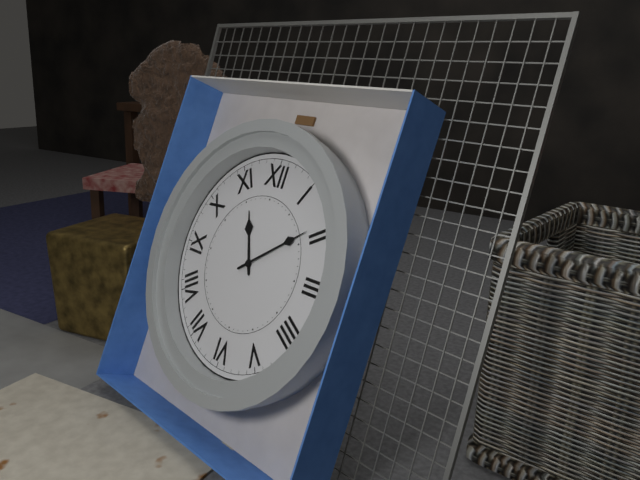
**11:09**
